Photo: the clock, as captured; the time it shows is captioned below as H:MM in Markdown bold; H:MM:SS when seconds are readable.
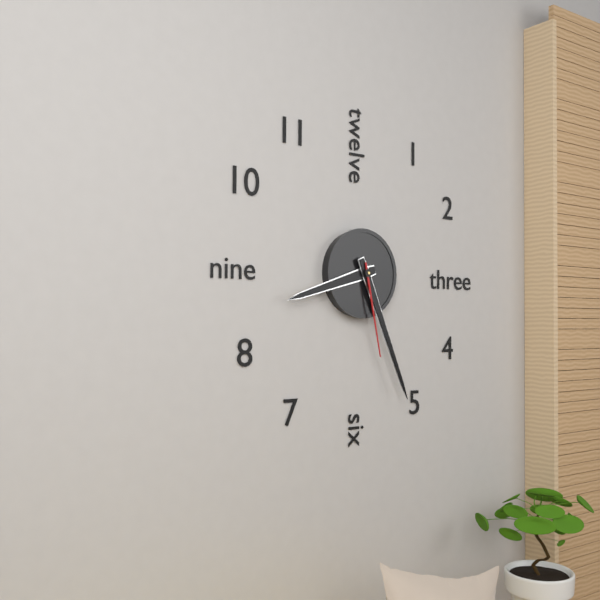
**8:26:28**
